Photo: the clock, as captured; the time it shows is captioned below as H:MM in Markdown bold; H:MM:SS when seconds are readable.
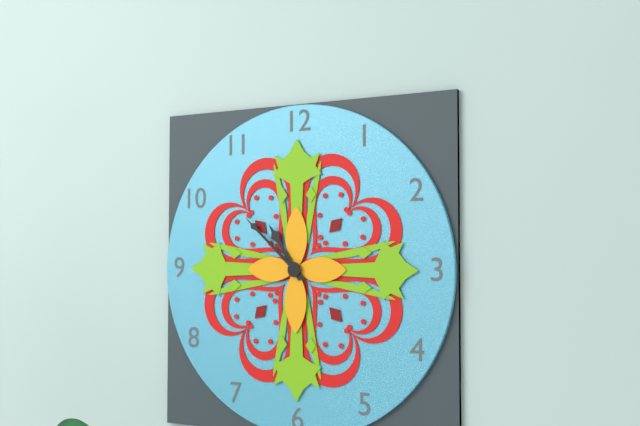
**10:52**
